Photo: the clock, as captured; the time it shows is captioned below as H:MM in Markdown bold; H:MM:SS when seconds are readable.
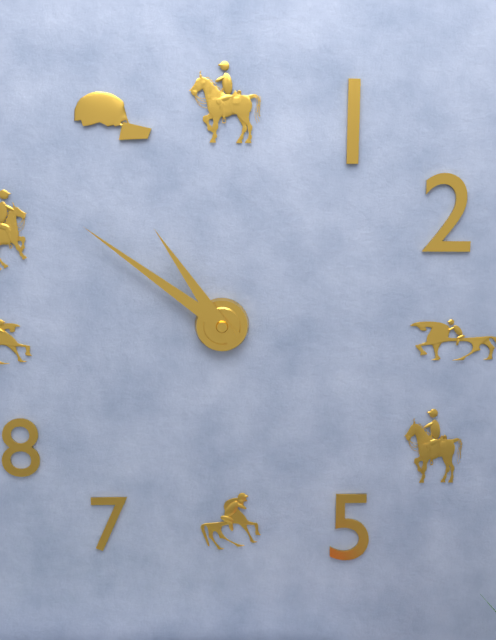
**10:51**
